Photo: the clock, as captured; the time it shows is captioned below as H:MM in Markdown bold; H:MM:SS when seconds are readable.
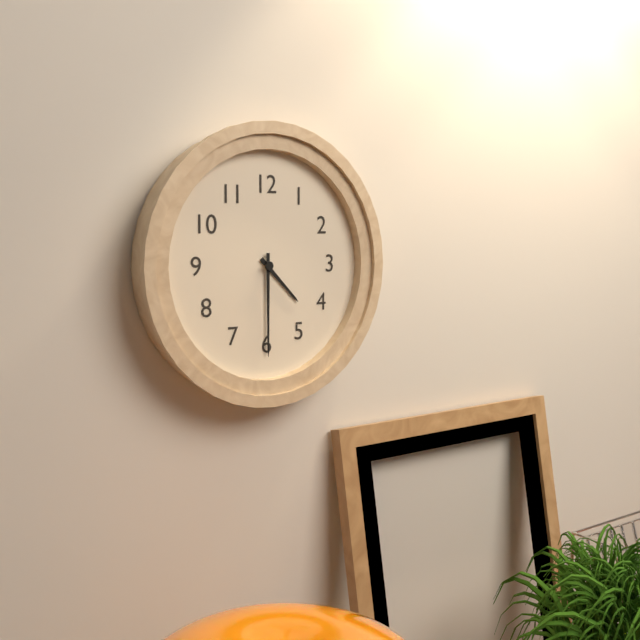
**4:30**
